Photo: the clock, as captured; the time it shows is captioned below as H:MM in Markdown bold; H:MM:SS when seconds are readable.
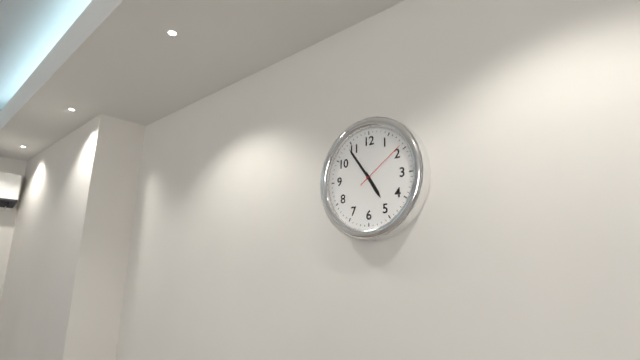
**4:54:09**
